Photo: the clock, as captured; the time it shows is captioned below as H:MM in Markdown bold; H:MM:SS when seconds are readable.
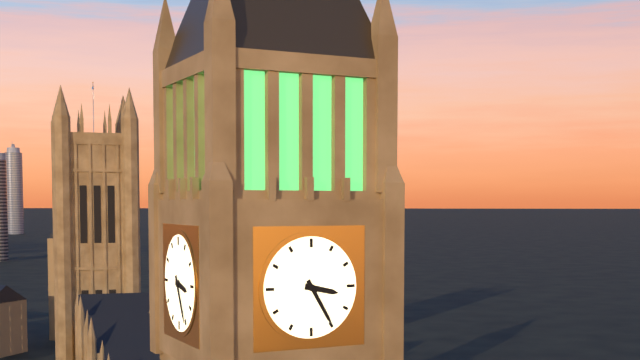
**3:25**
